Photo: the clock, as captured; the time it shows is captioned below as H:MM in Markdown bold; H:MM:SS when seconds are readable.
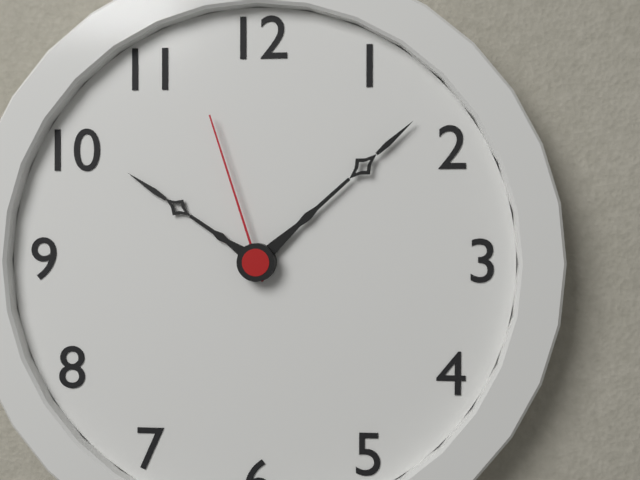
**10:08:57**
